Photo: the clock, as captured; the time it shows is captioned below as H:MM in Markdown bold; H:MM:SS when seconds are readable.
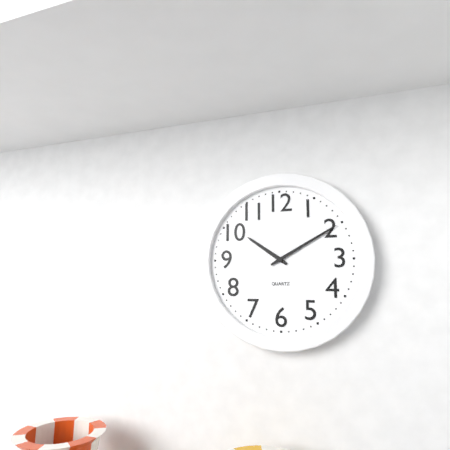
**10:10**
